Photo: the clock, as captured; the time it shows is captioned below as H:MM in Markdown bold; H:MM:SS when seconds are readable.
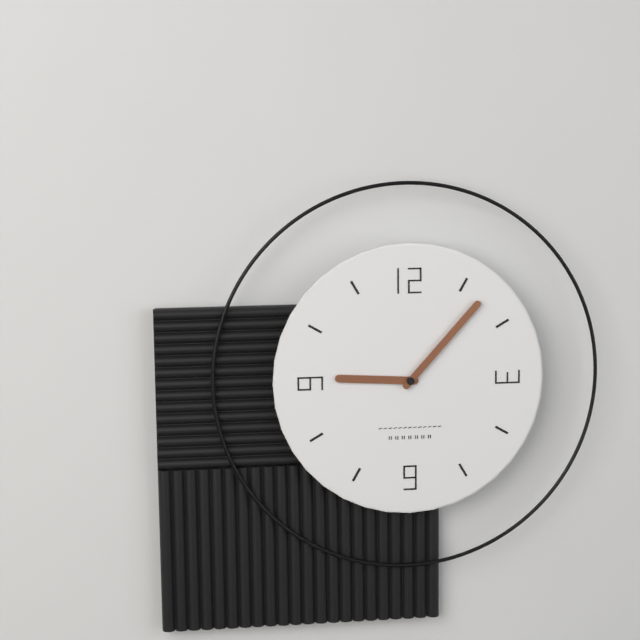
**9:07**
